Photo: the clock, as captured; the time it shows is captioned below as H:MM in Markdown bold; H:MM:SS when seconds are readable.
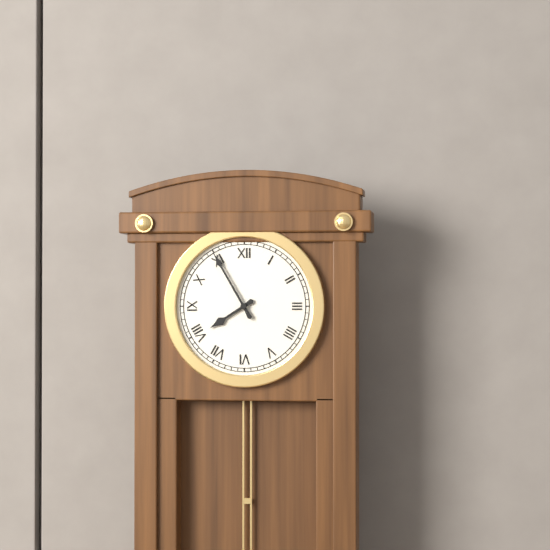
**7:55**
